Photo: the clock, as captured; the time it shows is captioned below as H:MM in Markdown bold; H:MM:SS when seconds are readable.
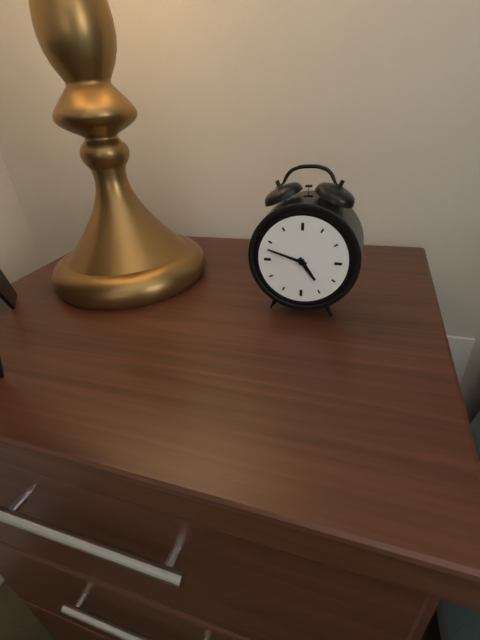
**4:48**
